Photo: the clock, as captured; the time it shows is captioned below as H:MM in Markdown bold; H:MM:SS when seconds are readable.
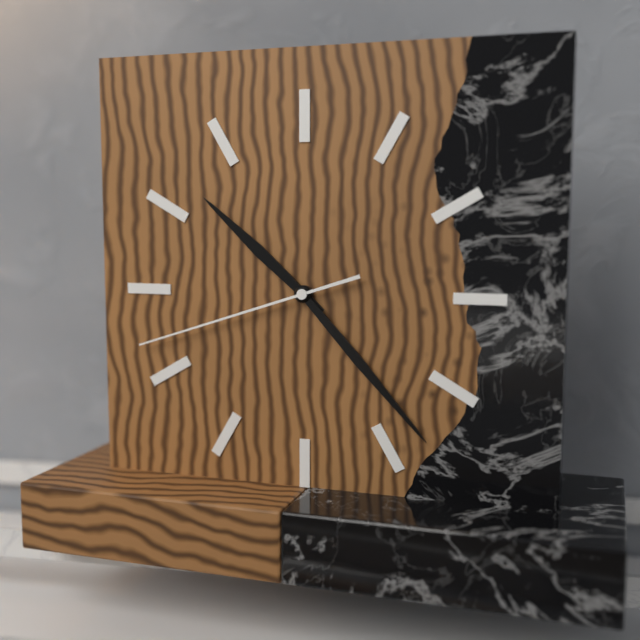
**10:23:42**
